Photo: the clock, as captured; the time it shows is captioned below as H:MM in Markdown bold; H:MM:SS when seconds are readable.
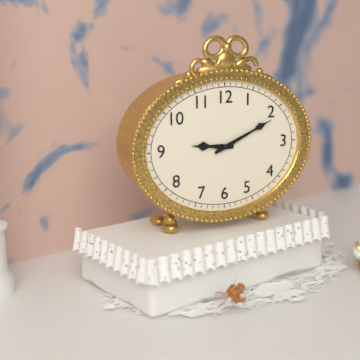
**9:11**
